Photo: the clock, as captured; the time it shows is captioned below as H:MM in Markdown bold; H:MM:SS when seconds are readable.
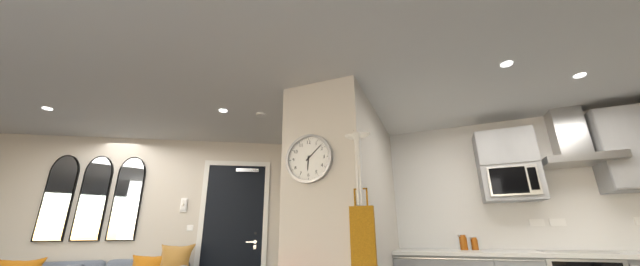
**6:08**
